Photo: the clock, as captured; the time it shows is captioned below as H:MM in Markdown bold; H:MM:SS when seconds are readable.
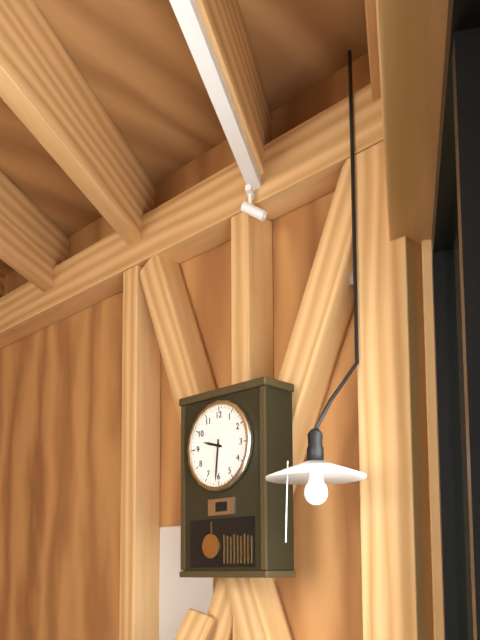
**9:31**
